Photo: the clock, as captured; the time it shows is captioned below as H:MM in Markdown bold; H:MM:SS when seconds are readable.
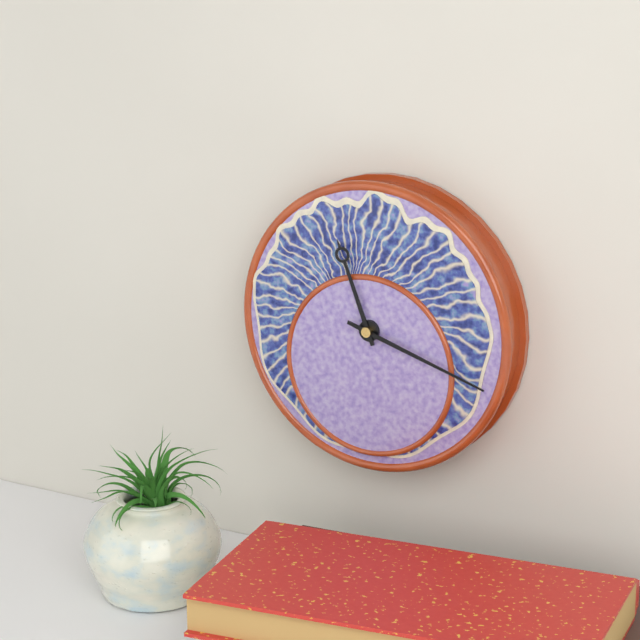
**11:18**
